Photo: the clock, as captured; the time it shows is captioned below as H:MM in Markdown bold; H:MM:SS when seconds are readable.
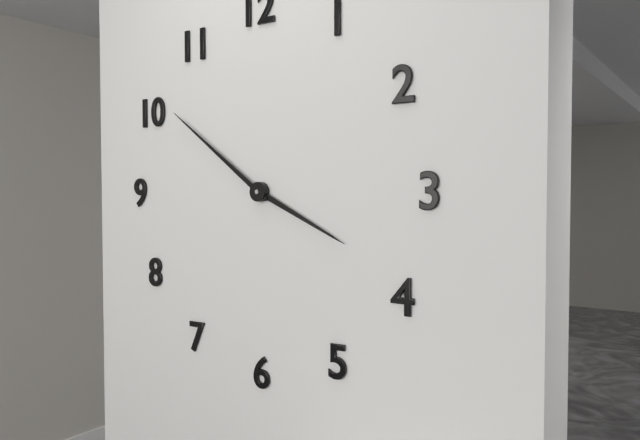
**3:51**
